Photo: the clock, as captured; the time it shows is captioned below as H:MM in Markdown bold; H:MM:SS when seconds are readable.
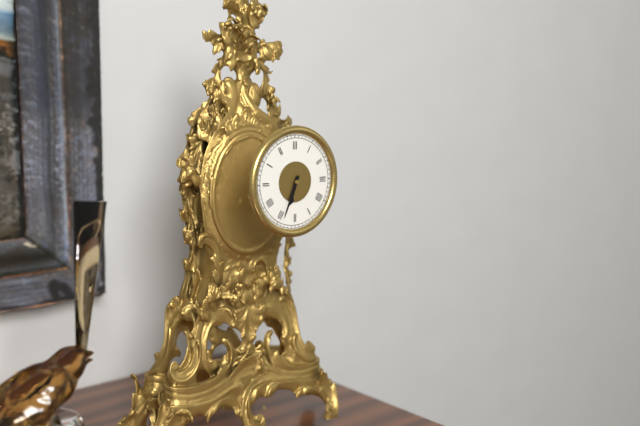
**6:34**
